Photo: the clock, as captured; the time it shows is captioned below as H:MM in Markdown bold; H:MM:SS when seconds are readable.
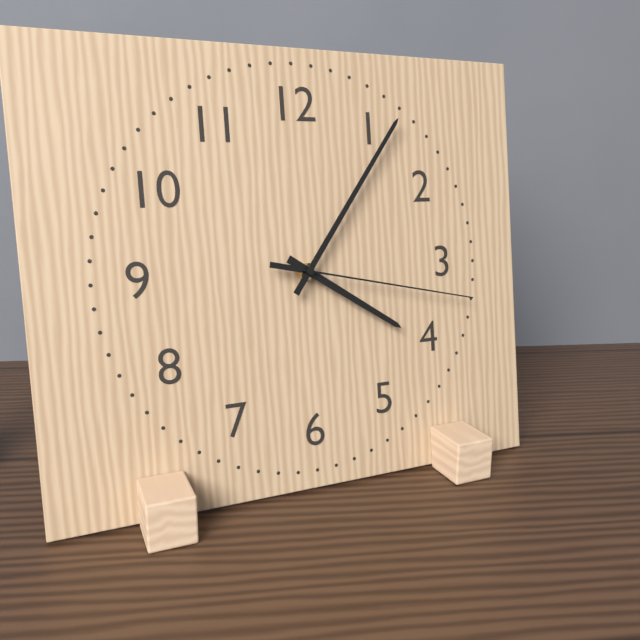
**4:06:17**
